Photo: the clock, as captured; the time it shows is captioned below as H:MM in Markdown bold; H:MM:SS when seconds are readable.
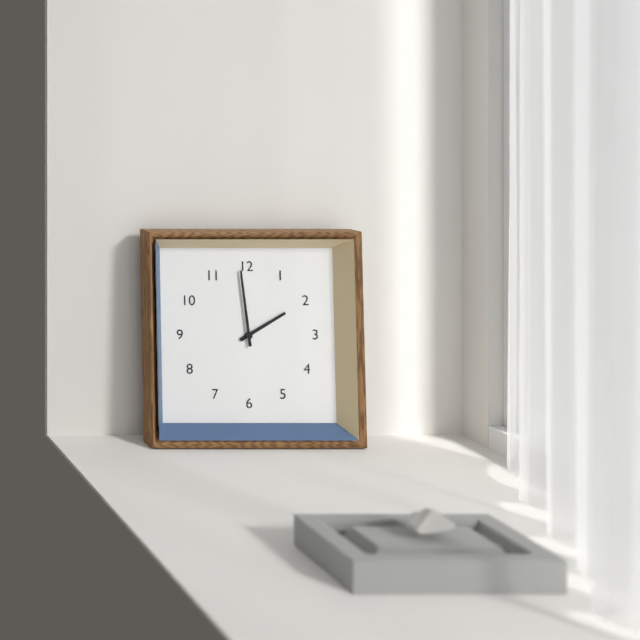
**1:59**
